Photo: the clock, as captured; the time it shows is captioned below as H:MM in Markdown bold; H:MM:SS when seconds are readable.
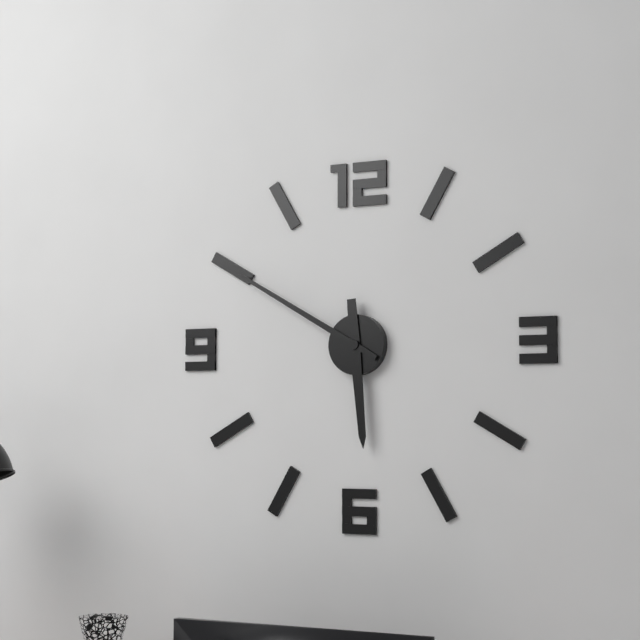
**5:50**
